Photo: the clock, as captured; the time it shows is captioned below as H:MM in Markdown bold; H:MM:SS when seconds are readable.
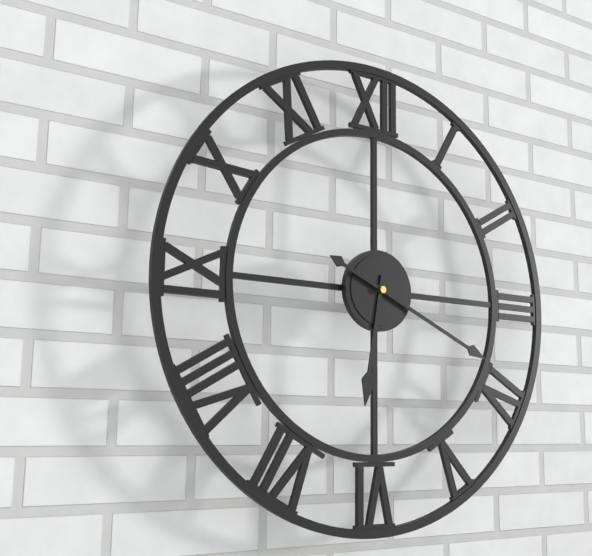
**6:19**
